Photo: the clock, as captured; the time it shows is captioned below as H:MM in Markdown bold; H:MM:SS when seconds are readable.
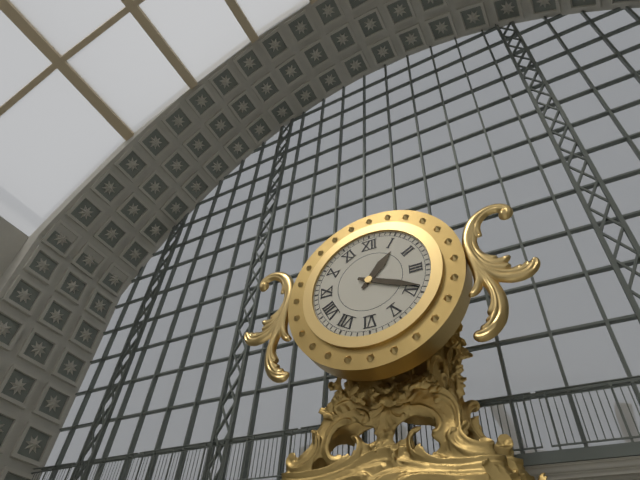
**1:19**
